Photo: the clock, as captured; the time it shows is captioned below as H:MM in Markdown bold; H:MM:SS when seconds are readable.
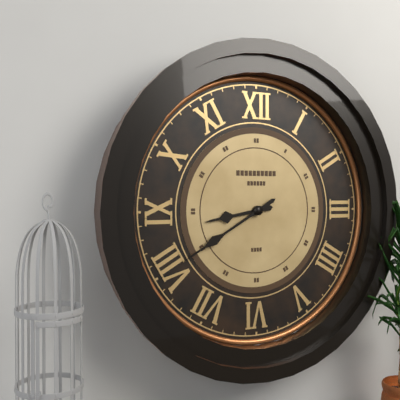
**8:40**
